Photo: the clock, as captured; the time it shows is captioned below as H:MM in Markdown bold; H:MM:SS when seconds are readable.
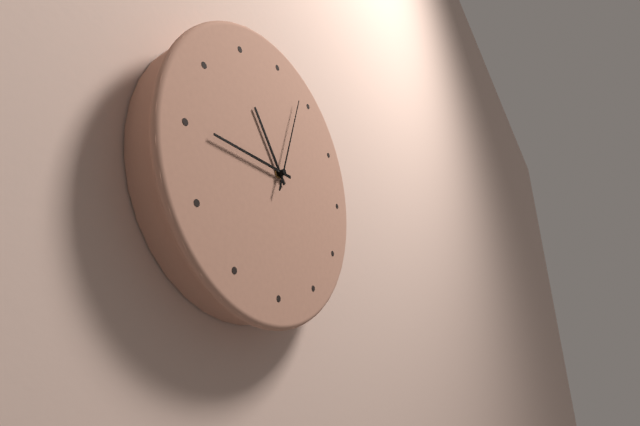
**10:45:03**
